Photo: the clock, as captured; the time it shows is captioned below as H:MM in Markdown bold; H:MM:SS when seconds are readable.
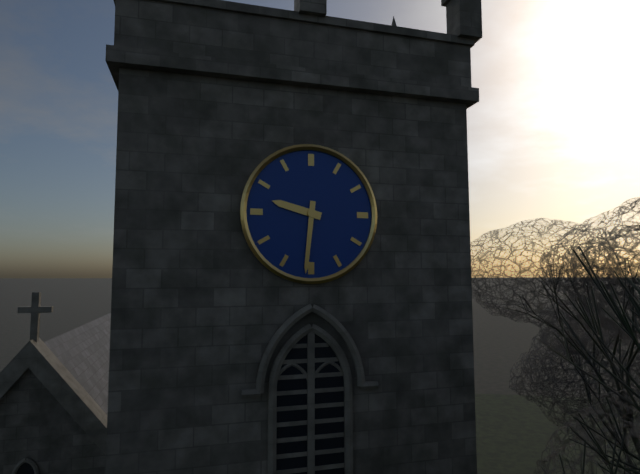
**9:31**
